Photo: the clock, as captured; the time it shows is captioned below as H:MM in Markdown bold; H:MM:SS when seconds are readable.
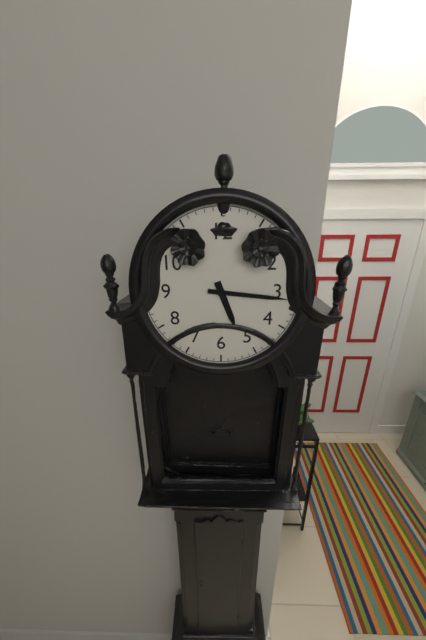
**5:16**
